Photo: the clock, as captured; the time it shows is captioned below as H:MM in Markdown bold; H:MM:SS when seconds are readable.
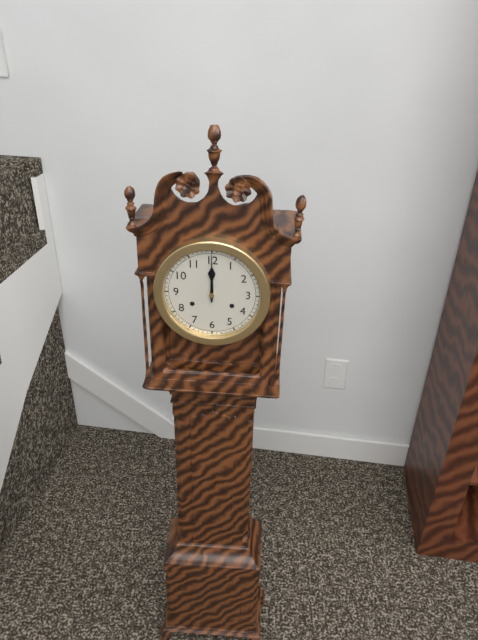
**12:00**
